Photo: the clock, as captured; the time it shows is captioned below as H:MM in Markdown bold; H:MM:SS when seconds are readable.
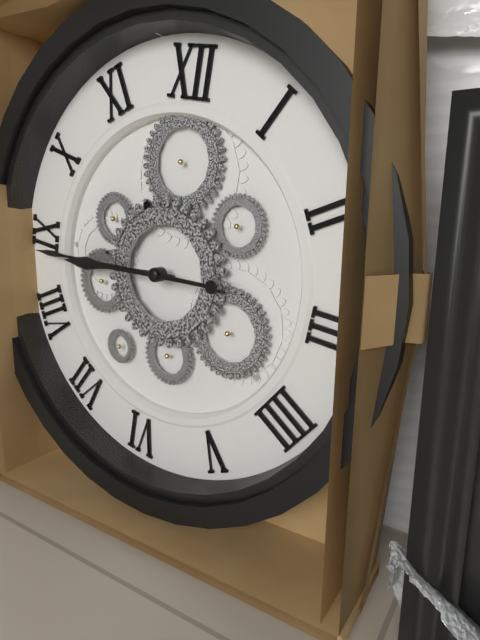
**8:44**
